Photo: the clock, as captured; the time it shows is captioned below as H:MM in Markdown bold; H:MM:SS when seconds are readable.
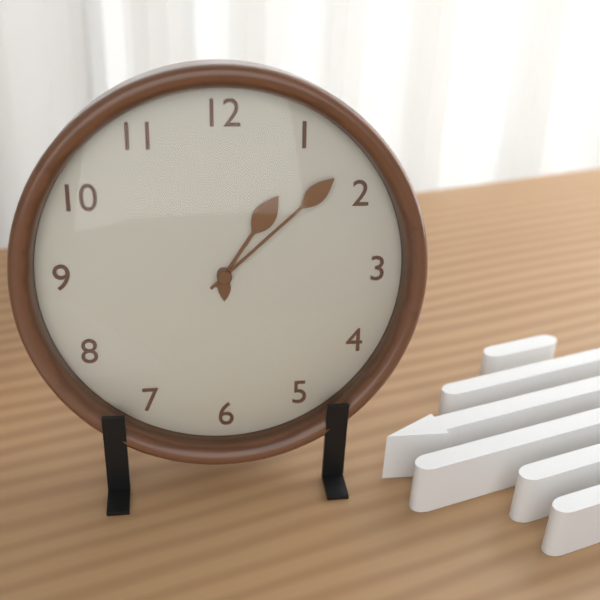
**1:08**
